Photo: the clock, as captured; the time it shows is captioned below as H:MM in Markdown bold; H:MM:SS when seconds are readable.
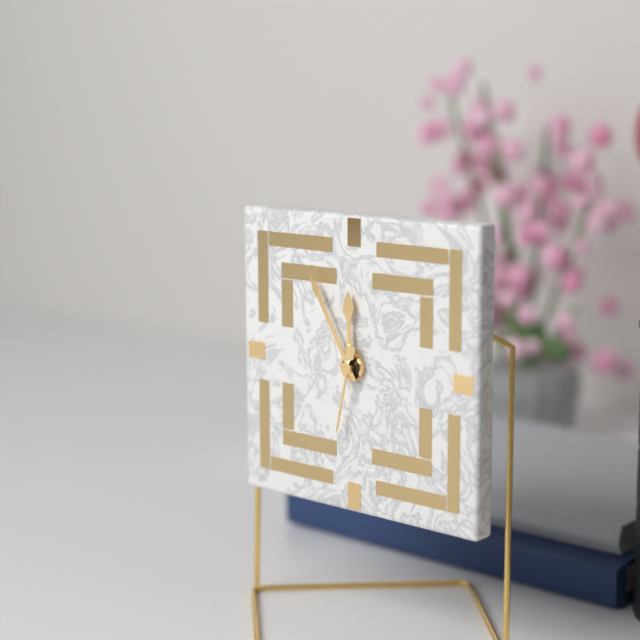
**11:55:32**
